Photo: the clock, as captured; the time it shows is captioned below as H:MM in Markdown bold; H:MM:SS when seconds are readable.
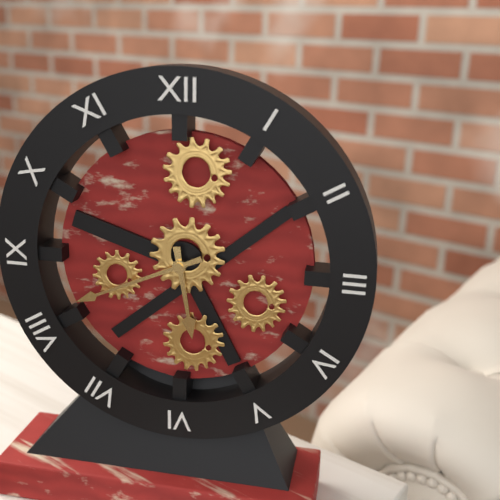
**5:41**
